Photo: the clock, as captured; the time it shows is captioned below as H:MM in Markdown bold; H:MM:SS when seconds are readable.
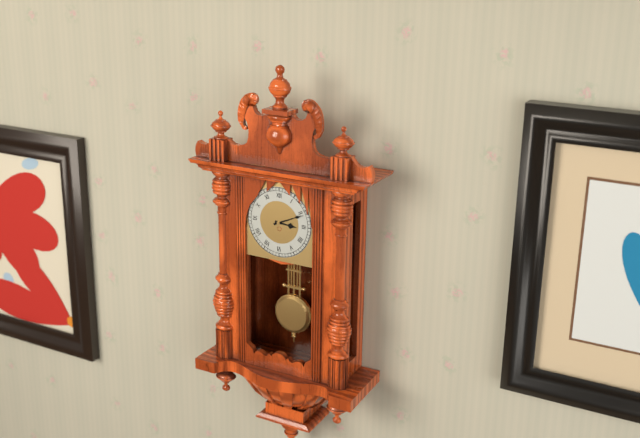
**3:11**
